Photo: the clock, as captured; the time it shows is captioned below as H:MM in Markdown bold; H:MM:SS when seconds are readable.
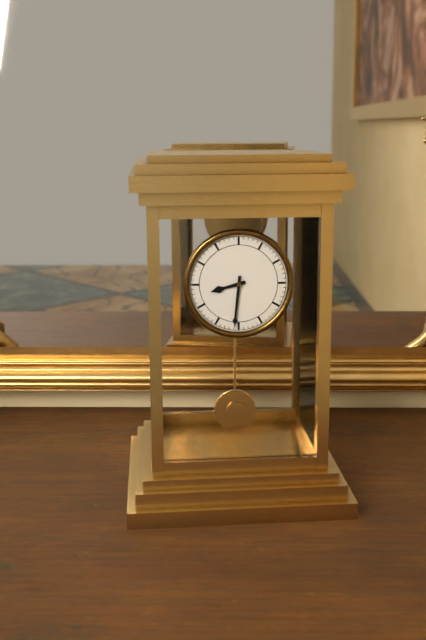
**8:31**
